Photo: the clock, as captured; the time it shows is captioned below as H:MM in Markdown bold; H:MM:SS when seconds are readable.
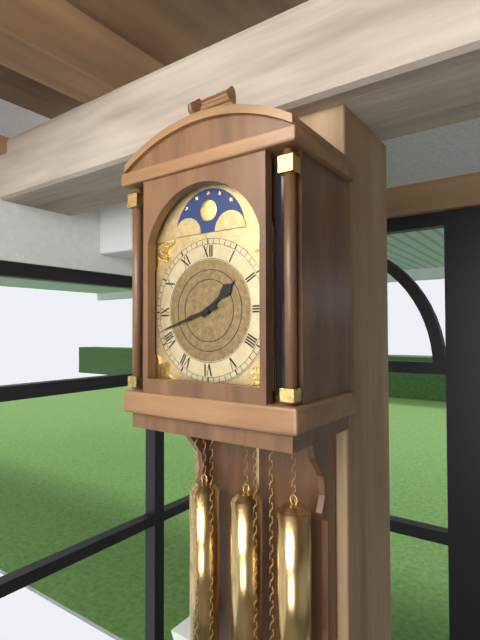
**1:42**
